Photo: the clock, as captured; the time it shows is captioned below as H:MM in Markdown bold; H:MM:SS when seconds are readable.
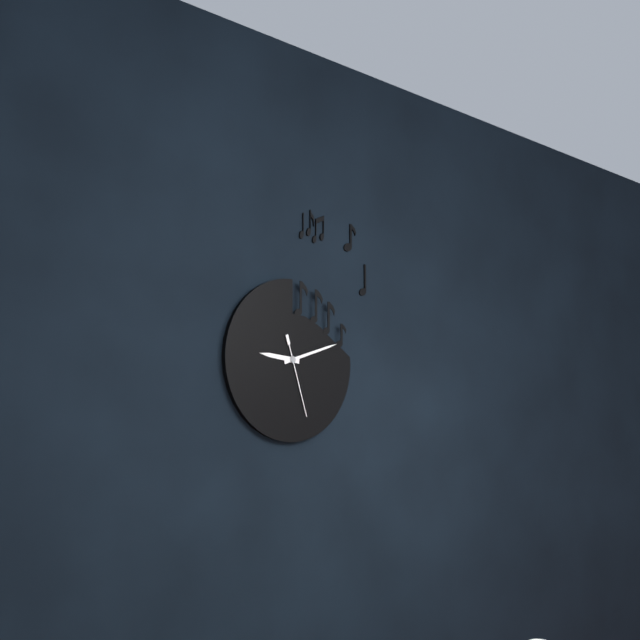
**9:12:27**
